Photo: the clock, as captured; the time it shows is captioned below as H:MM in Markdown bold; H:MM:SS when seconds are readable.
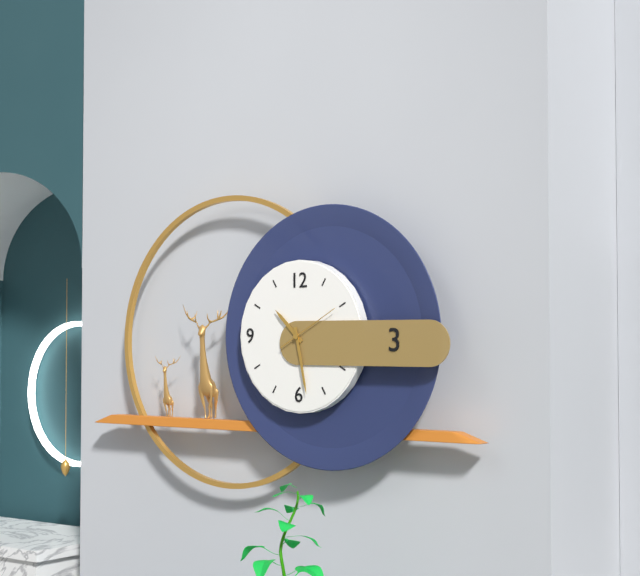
**10:28:10**
